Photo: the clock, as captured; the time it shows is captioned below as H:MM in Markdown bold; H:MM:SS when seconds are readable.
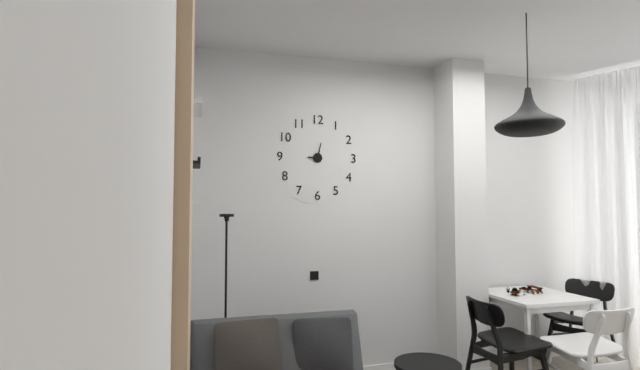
**9:02**
